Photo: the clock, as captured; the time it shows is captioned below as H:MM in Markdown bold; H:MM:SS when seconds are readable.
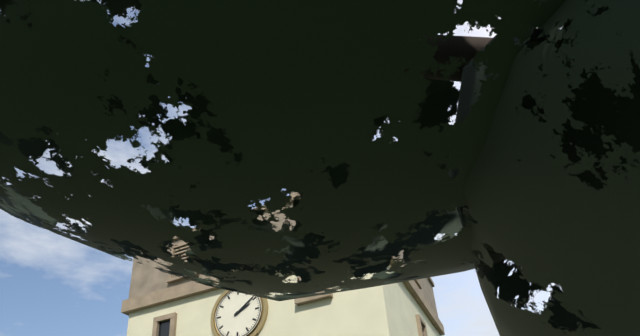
**2:09**
